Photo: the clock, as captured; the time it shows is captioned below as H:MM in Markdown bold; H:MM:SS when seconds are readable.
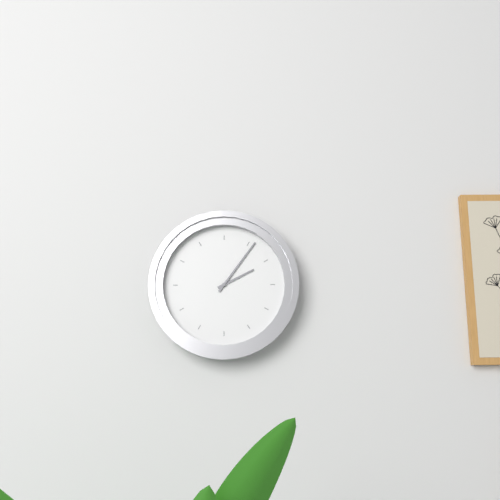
**2:06**
